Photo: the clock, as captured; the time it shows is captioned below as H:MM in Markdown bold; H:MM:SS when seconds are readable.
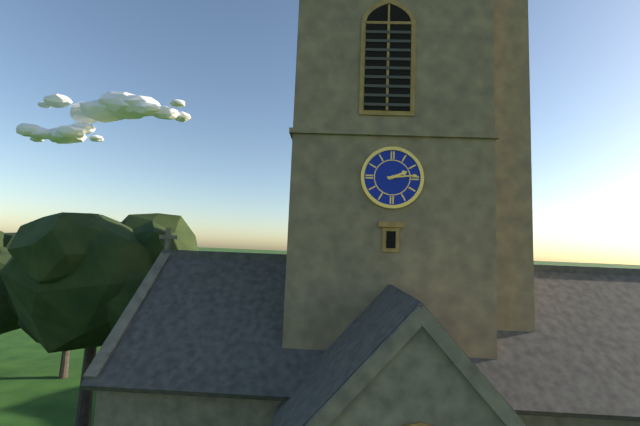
**2:14**
